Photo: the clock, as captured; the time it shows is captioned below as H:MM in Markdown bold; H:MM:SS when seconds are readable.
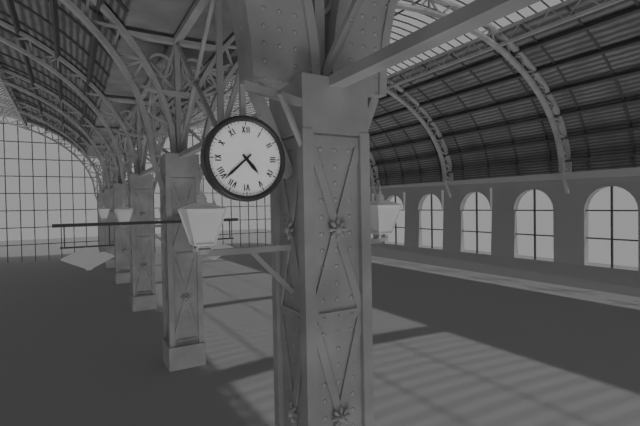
**4:38**
